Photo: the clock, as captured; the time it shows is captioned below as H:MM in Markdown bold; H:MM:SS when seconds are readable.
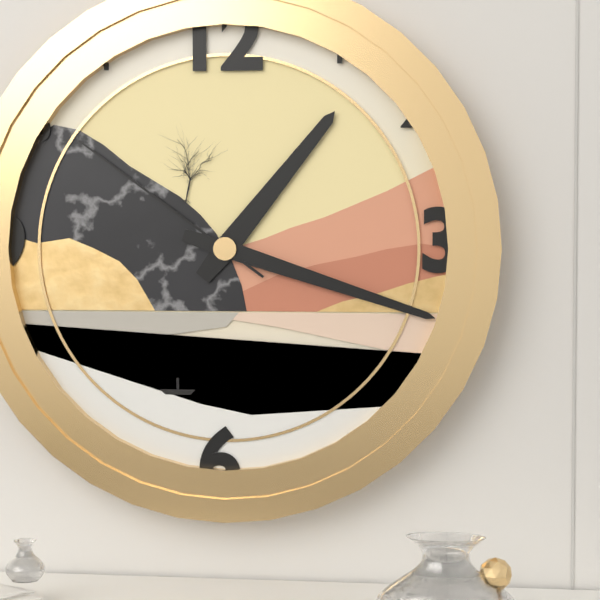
**1:18:51**
